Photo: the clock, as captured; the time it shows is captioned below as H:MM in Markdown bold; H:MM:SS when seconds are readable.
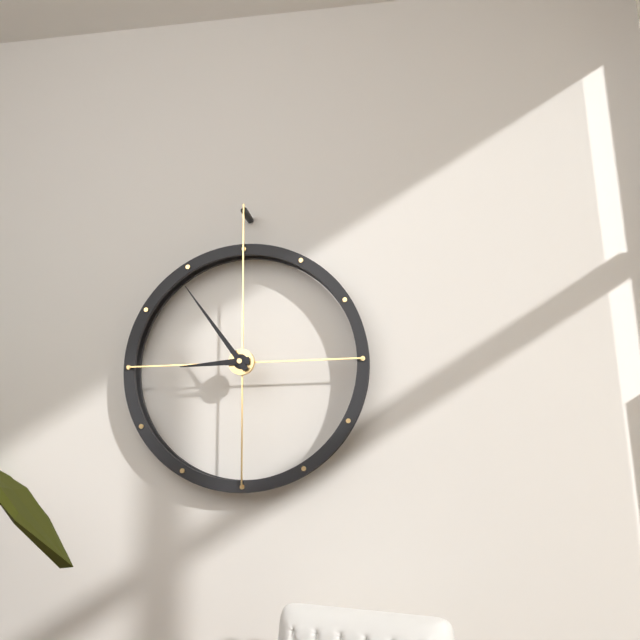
**8:54**
